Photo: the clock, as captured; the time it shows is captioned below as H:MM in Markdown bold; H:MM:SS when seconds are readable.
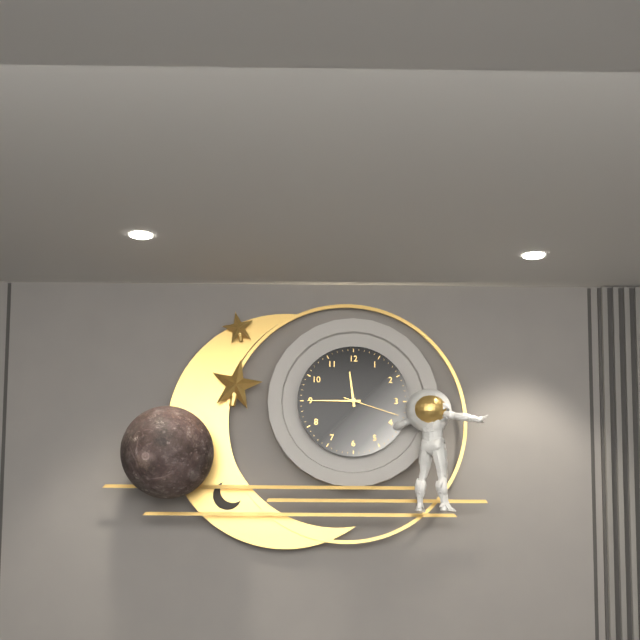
**11:45:18**
